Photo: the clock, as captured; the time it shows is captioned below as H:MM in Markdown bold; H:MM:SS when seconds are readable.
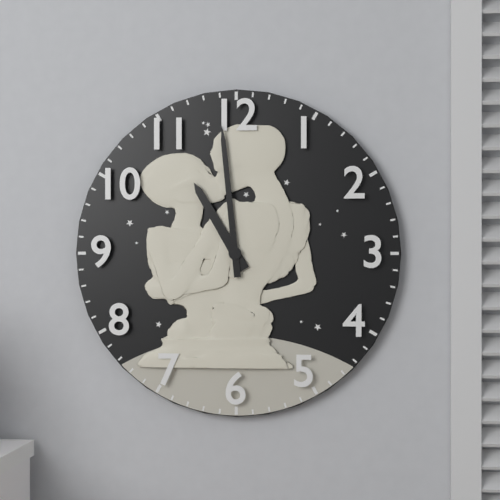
**10:59**
